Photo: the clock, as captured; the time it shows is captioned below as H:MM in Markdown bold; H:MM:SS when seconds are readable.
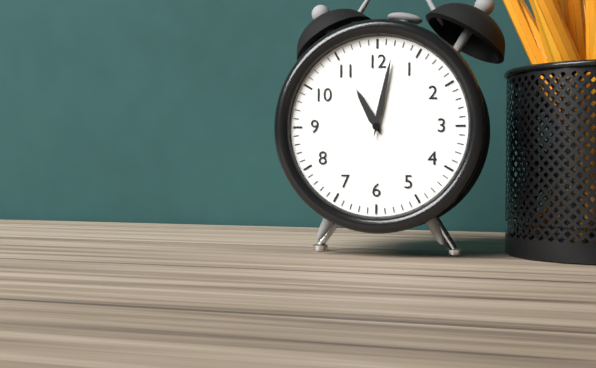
**11:02**
